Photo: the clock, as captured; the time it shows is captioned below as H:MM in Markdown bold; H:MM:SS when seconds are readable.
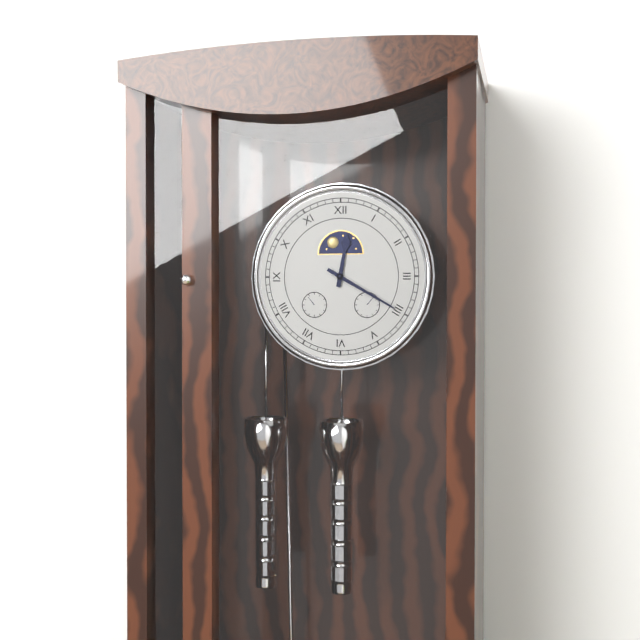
**12:20**
